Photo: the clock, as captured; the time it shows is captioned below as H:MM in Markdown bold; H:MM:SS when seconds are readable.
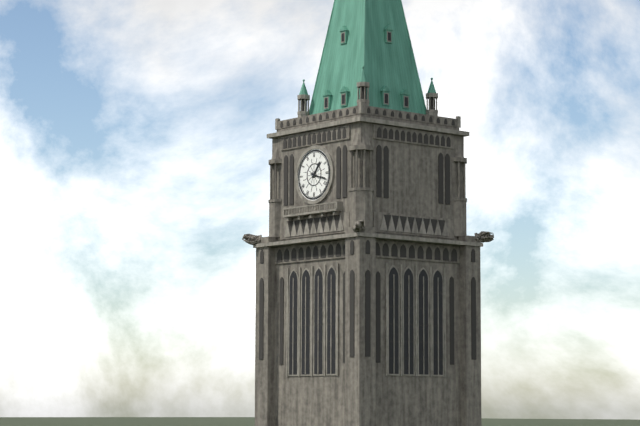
**1:18**
